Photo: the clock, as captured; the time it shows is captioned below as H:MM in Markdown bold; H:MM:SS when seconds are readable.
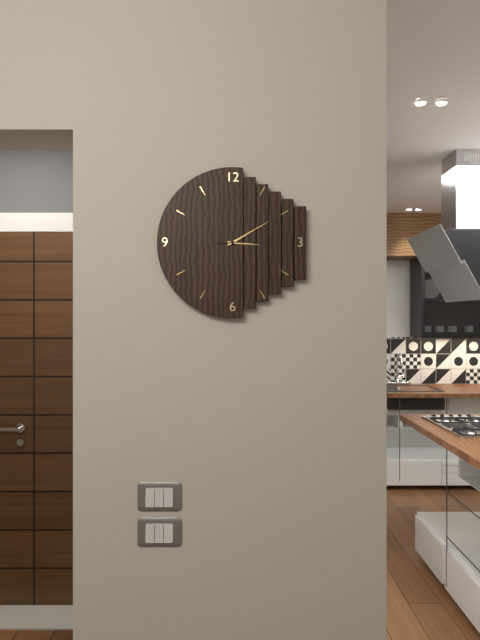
**3:10:15**
